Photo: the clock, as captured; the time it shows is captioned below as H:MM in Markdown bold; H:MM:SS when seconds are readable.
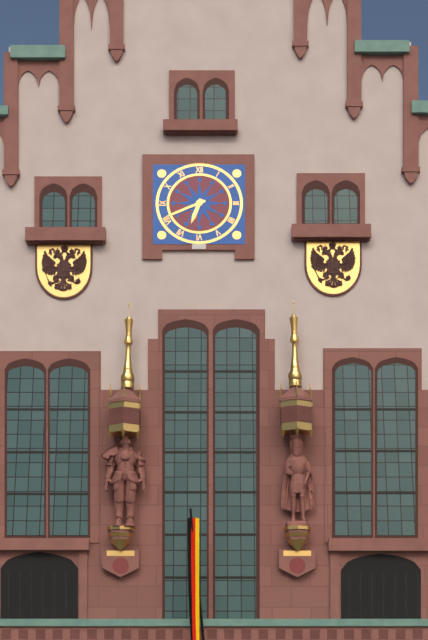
**6:41**
